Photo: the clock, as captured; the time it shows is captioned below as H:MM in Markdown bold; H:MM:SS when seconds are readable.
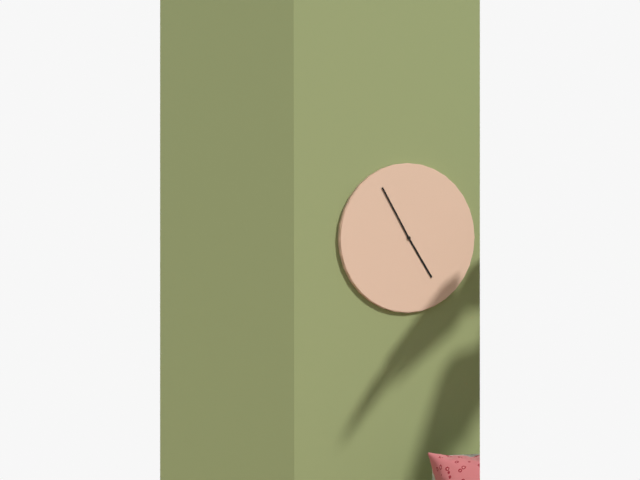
**4:55**
